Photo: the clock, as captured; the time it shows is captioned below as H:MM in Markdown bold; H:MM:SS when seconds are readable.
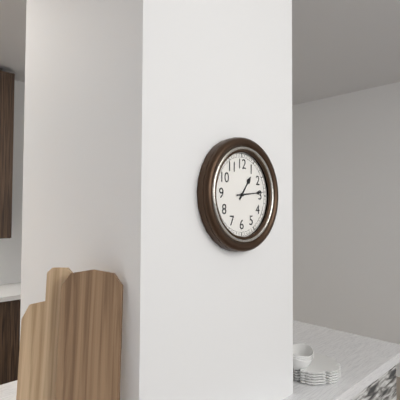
**1:14**
